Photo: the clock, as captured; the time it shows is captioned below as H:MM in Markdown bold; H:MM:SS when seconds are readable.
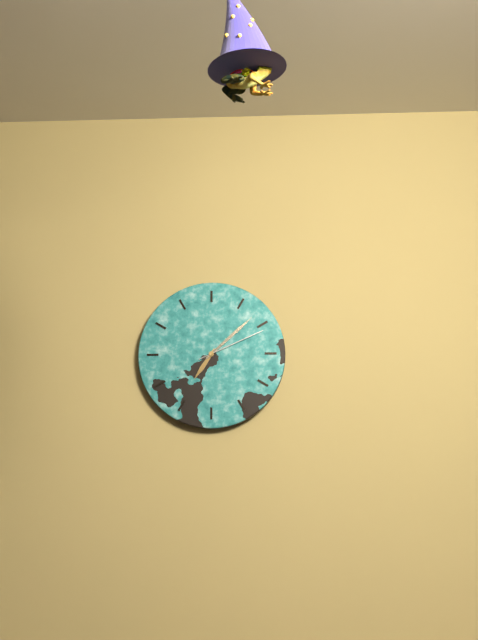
**7:08:11**
